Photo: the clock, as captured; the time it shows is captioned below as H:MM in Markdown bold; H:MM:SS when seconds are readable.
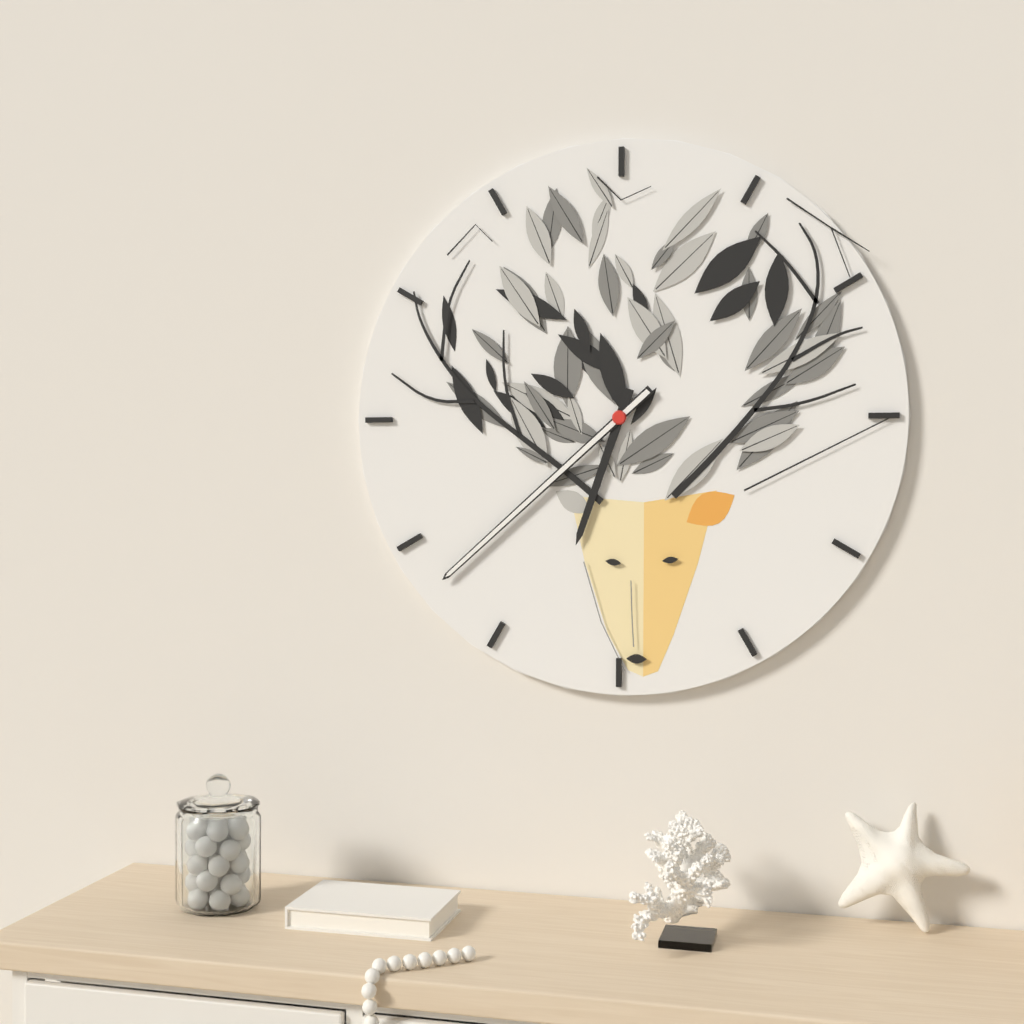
**6:38**
